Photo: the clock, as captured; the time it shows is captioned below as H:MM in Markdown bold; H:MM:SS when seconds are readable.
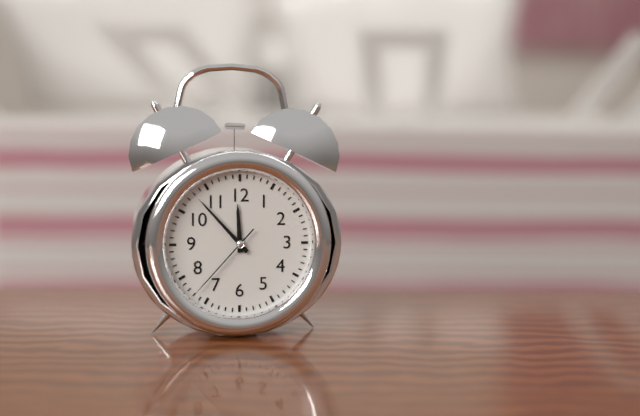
**11:53:37**
